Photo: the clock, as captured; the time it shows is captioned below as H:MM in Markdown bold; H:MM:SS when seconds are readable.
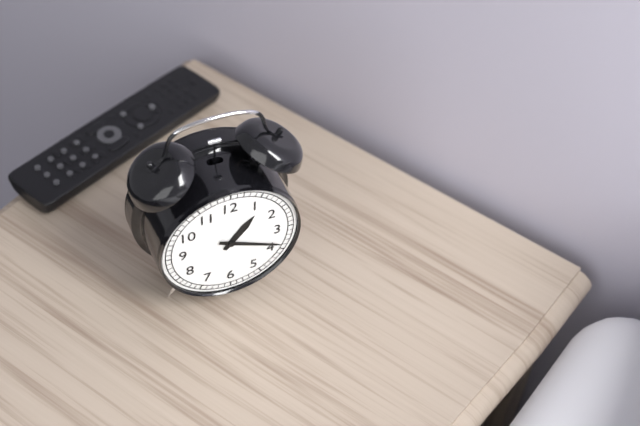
**1:19**
